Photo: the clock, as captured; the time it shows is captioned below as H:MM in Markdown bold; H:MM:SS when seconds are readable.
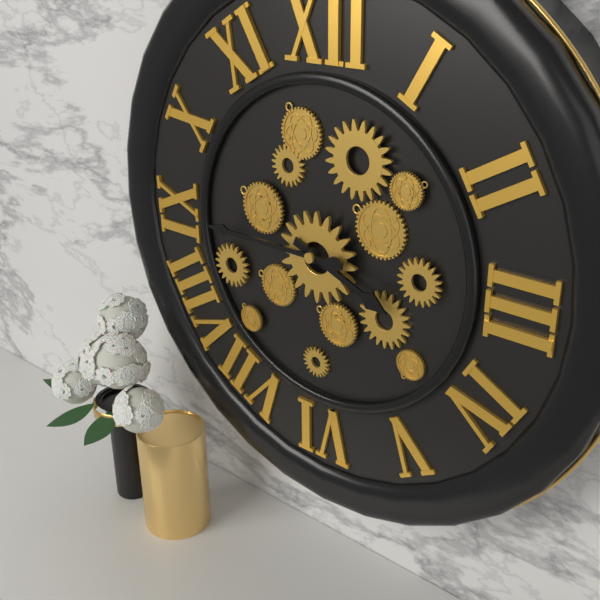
**3:45**
